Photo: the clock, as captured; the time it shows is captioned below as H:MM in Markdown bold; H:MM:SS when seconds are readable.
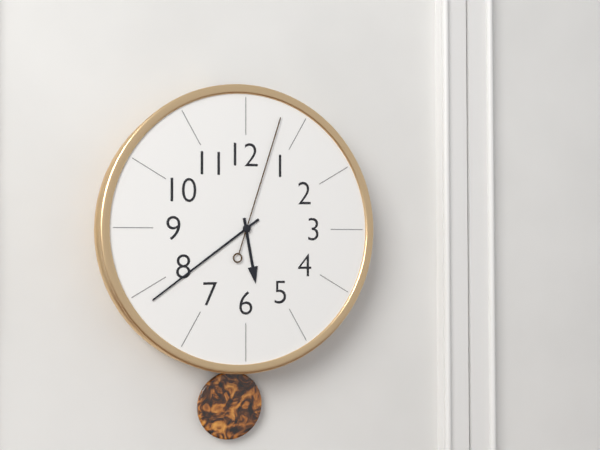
**5:39:03**
